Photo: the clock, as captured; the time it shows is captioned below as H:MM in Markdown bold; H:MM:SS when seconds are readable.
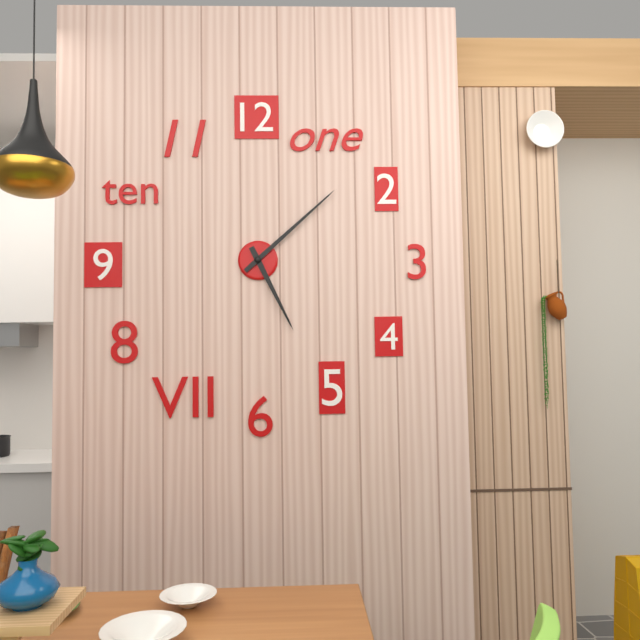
**5:08**
